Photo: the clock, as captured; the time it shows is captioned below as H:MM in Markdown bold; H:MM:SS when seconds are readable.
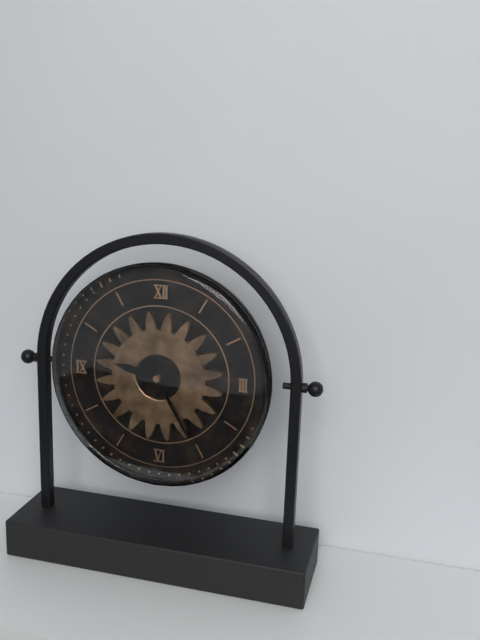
**9:25**
